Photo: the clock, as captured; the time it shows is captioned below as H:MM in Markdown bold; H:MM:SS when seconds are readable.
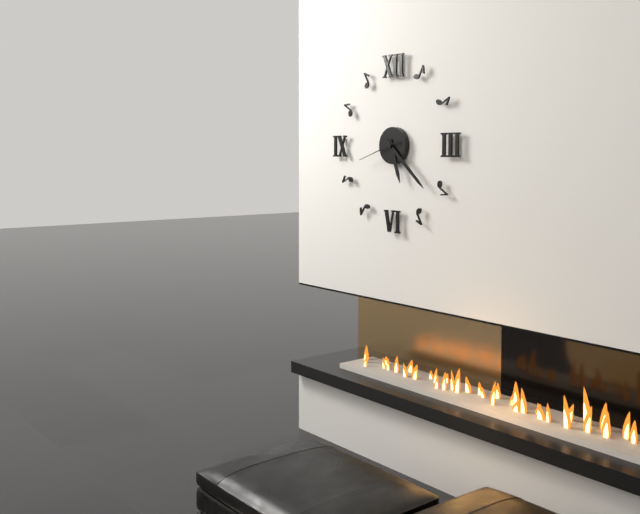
**5:22:42**
